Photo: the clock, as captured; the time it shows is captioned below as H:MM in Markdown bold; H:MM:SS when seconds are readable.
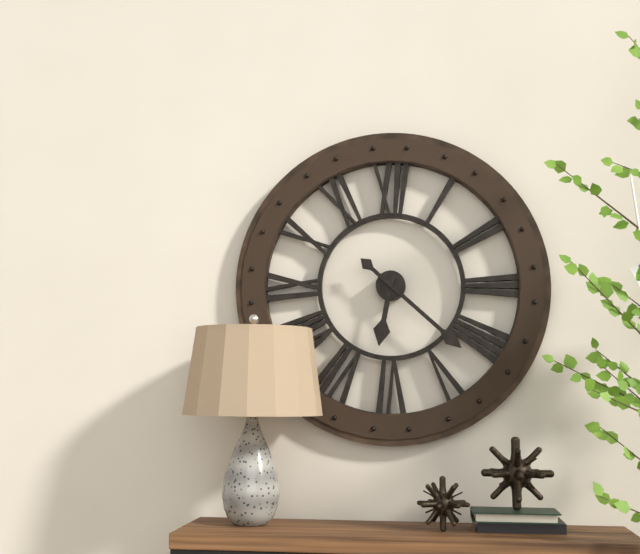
**6:22**
